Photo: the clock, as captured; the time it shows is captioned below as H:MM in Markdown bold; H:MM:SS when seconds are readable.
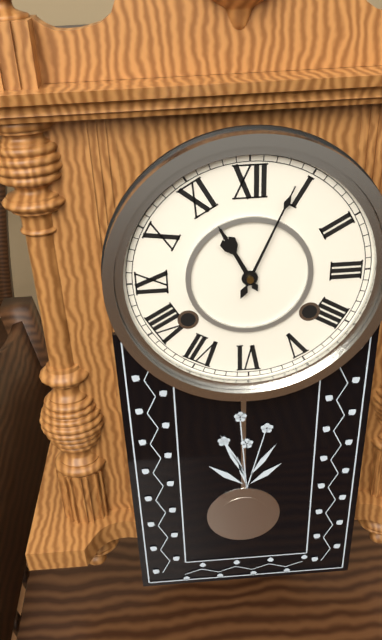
**11:04**
